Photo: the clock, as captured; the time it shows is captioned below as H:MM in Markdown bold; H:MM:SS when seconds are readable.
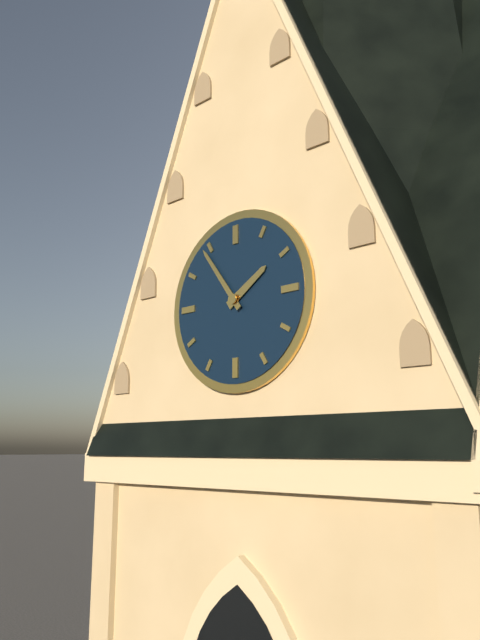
**1:54**
